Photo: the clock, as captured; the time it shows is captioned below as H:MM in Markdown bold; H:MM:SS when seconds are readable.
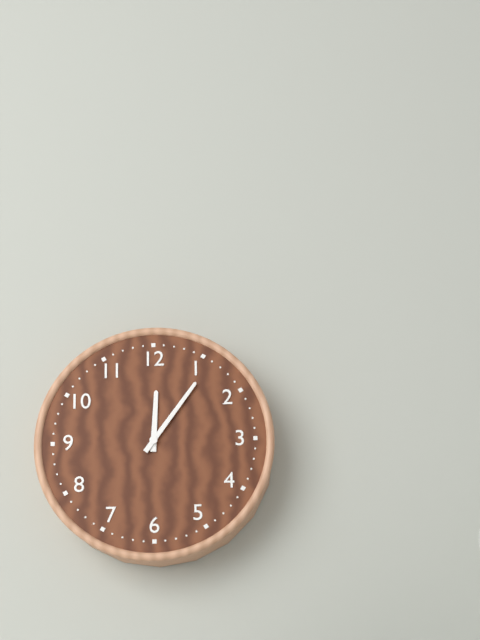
**12:06**
